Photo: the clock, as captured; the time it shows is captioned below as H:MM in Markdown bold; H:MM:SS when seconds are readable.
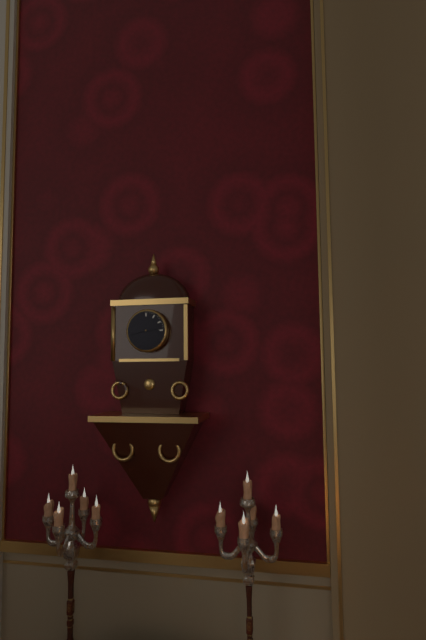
**2:43**
